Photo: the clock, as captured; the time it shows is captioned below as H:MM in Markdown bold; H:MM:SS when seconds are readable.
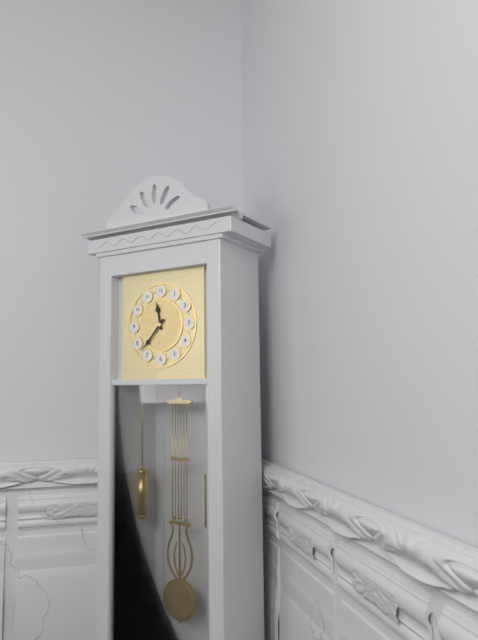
**11:37**
